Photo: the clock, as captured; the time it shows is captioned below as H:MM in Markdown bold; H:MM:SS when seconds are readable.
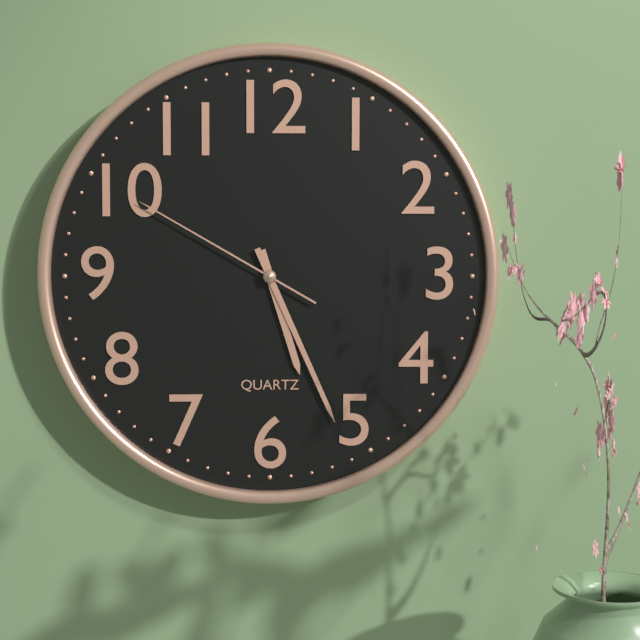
**5:26:50**
